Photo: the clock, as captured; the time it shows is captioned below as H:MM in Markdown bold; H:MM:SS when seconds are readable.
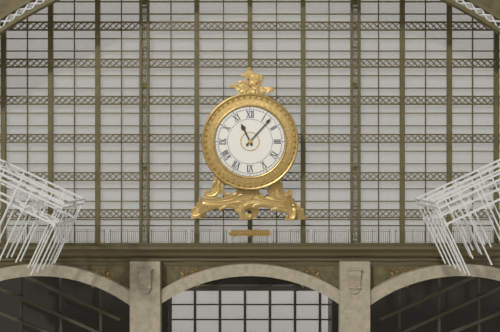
**11:07**
